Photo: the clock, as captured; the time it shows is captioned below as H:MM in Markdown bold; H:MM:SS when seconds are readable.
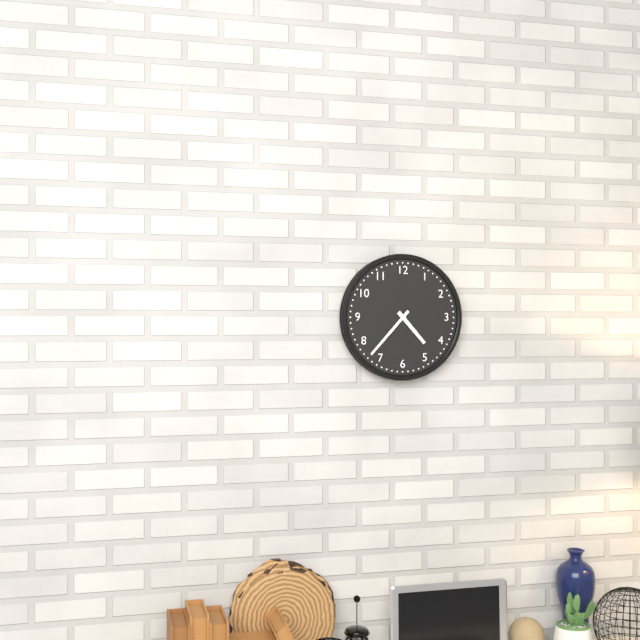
**4:37**
